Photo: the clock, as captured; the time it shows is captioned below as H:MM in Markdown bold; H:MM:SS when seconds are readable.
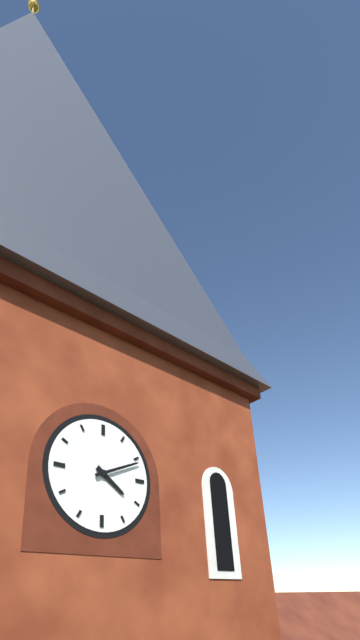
**4:11**
